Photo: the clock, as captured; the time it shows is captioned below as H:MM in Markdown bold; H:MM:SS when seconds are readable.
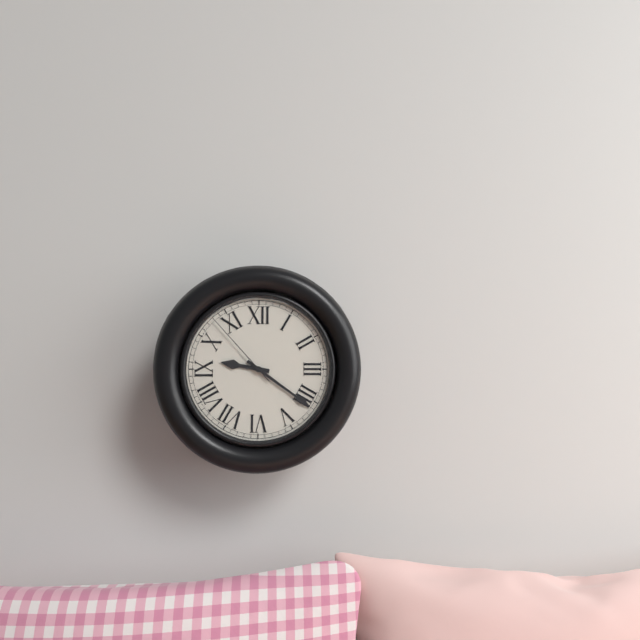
**9:21:53**
